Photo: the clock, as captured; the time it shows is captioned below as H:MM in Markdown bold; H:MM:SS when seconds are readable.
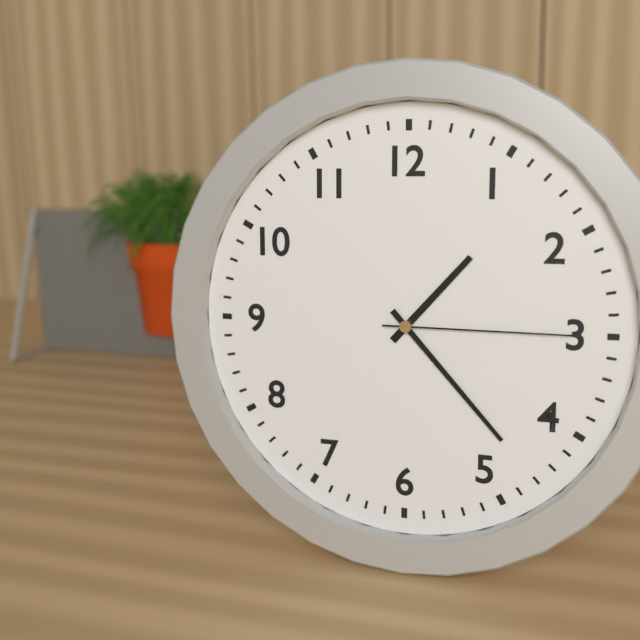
**1:23:15**
